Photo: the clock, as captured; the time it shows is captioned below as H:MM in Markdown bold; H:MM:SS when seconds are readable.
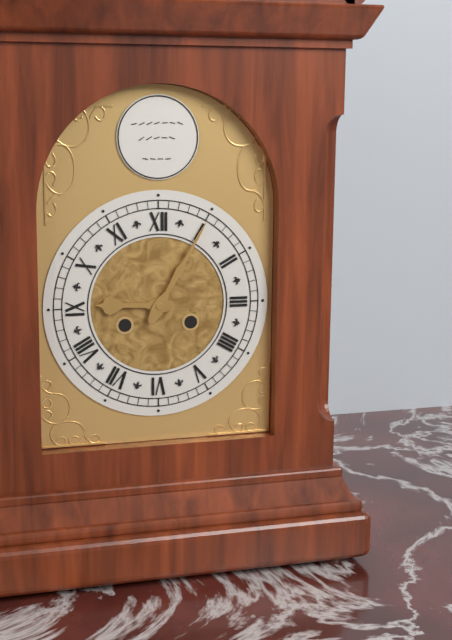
**9:05**
